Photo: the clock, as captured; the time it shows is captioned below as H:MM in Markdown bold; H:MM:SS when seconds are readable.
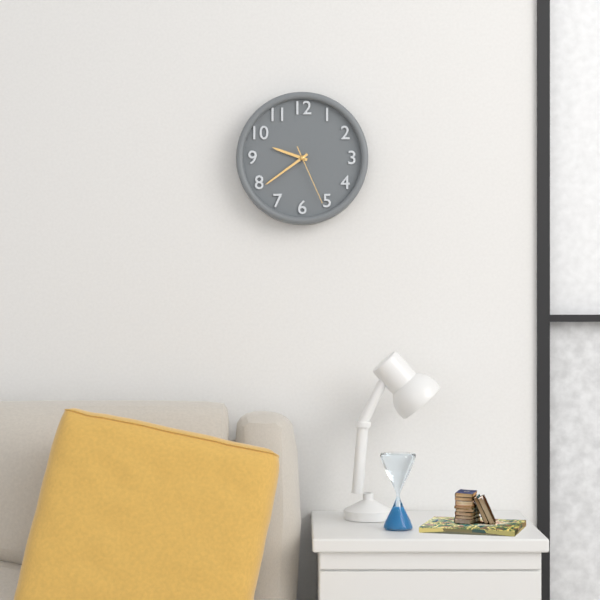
**9:39:26**
